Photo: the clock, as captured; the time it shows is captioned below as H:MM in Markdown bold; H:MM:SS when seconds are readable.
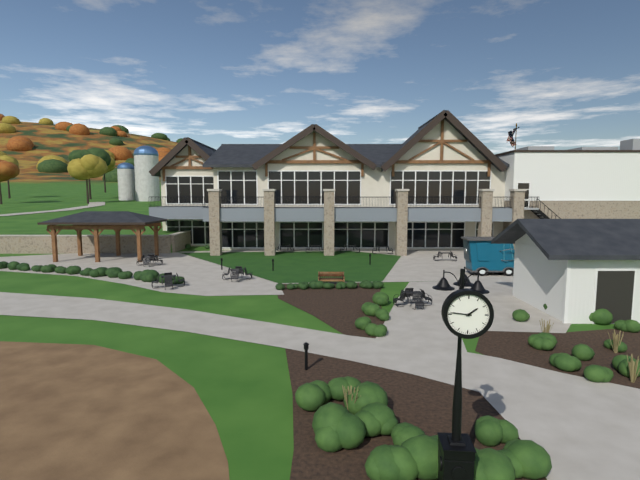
**1:46**
